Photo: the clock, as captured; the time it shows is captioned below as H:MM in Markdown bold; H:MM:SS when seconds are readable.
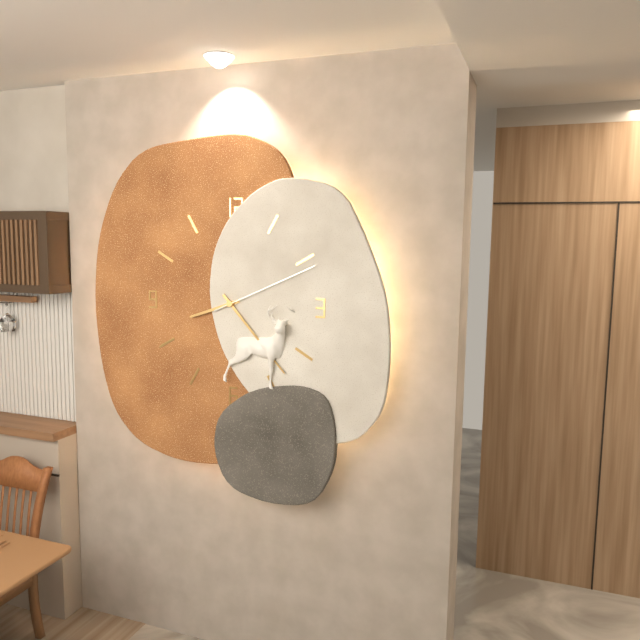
**8:23:11**
